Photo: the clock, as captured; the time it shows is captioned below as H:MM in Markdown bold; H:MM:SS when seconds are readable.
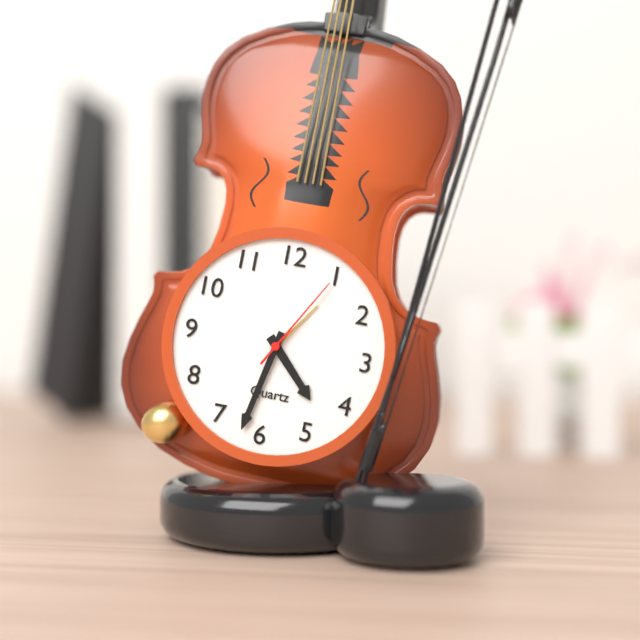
**4:32:05**
